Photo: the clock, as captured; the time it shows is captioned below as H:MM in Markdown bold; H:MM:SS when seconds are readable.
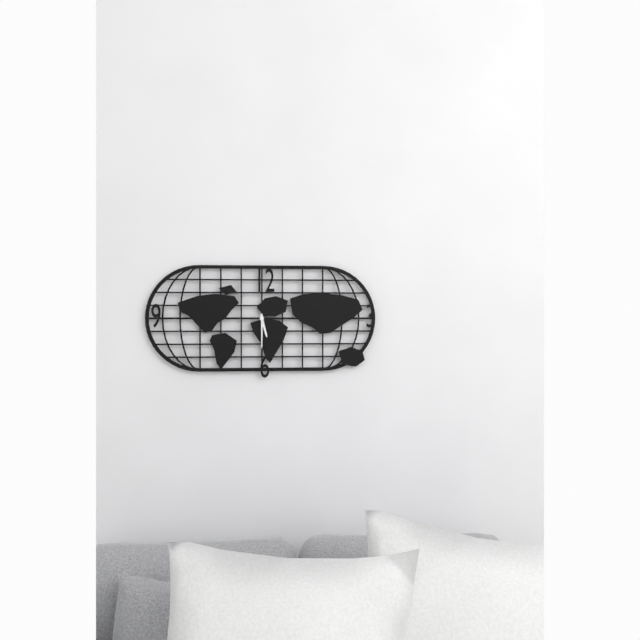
**5:30**
